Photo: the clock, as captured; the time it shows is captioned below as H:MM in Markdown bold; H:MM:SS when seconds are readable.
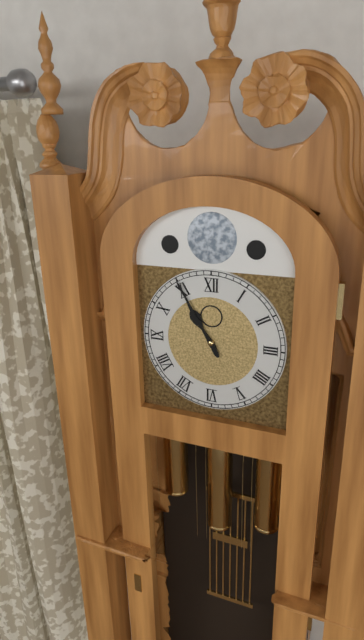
**10:55**
